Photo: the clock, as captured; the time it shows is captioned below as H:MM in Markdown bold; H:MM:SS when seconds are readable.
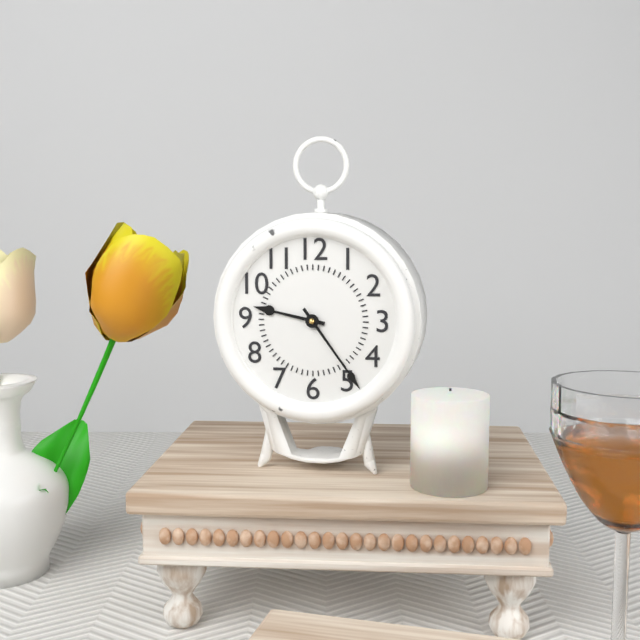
**9:24**
